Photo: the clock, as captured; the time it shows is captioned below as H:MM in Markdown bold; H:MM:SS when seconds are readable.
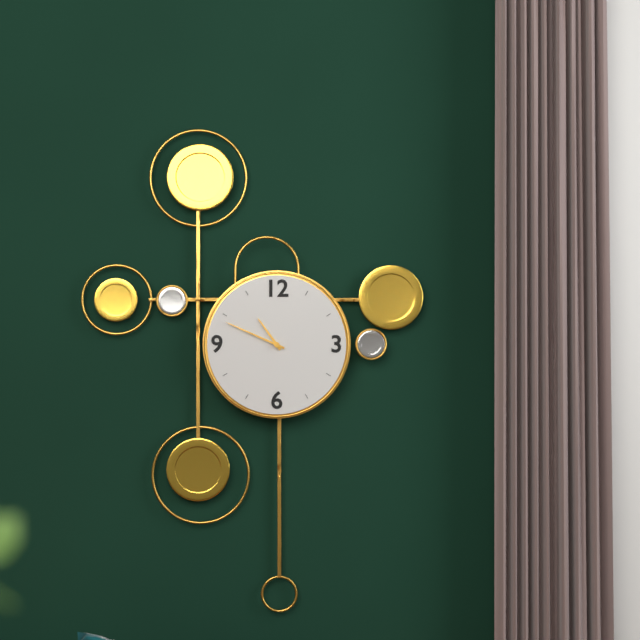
**10:49**
